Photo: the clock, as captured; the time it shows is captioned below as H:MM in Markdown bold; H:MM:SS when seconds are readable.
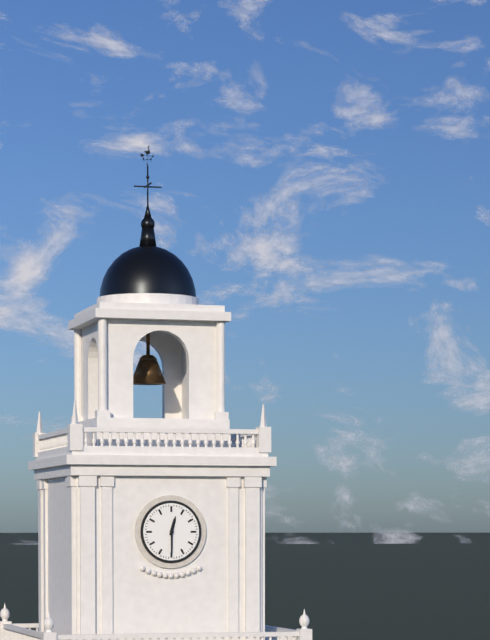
**12:30**
